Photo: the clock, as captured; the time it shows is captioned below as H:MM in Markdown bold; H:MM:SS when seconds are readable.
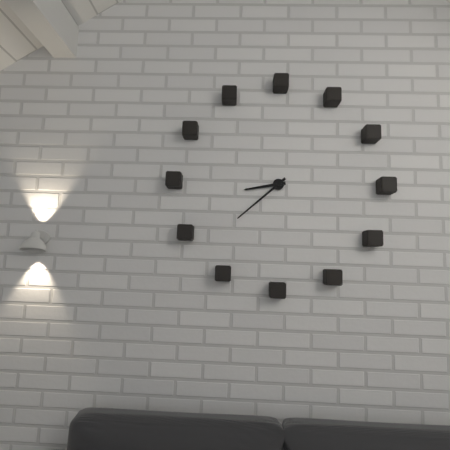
**8:38**
